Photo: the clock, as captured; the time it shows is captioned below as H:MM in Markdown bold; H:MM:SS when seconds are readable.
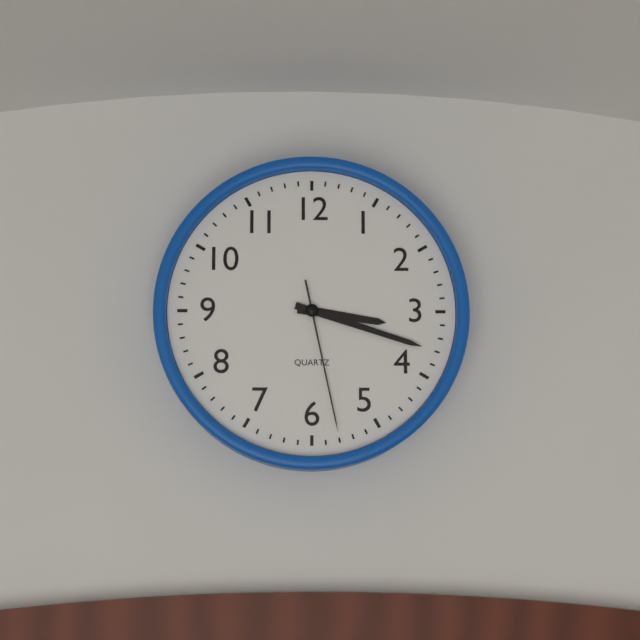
**3:18:28**
